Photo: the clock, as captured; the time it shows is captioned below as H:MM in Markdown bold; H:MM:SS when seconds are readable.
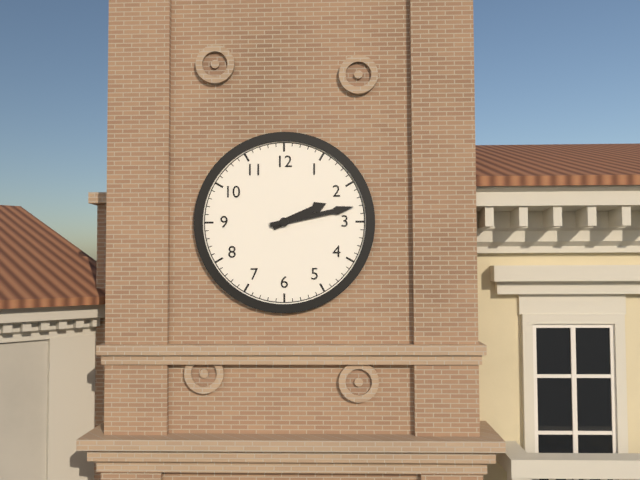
**2:13**
